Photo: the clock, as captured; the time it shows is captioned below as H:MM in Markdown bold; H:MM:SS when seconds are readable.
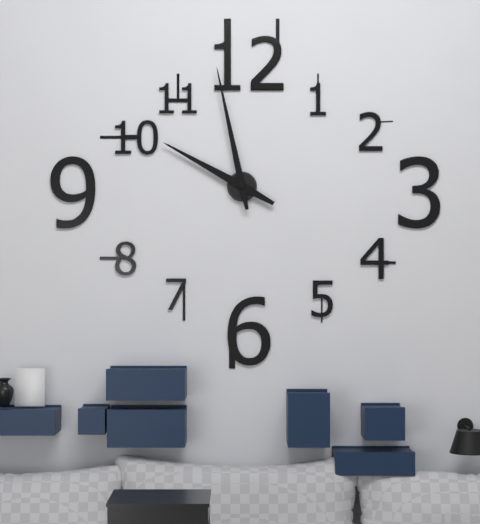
**9:58**
